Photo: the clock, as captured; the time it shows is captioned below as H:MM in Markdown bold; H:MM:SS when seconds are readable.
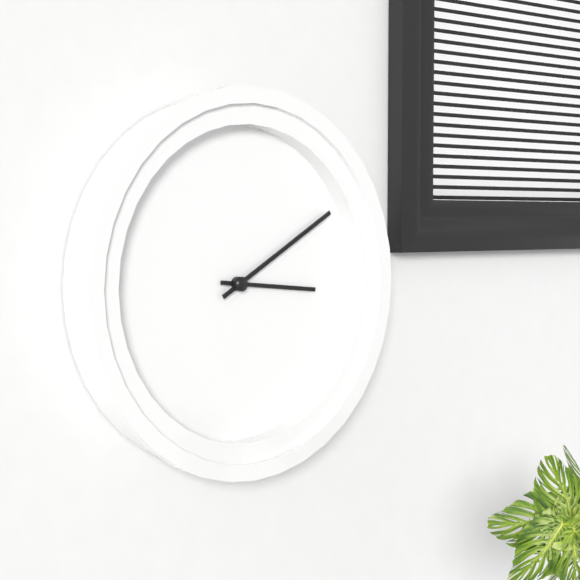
**3:10**
